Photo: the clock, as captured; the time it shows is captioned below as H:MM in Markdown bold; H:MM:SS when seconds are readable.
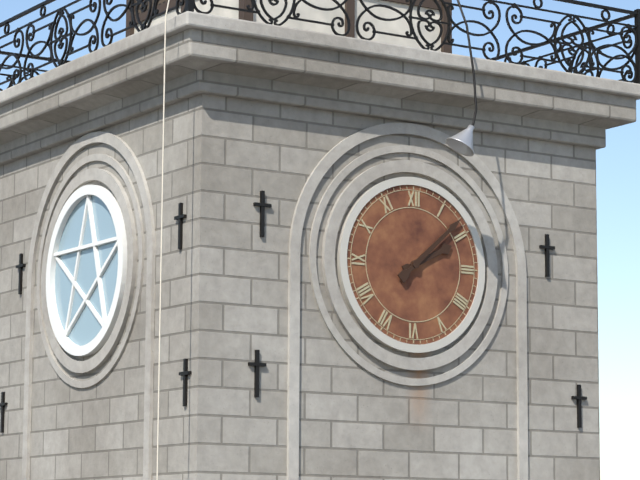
**2:08**
